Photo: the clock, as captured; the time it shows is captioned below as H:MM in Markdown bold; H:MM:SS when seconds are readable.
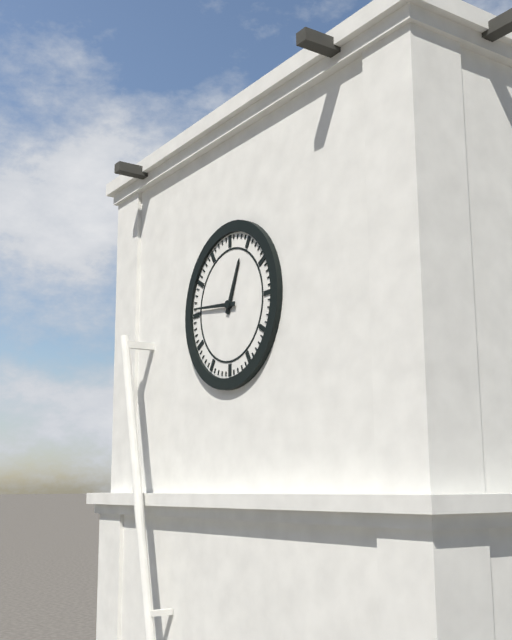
**12:46**
